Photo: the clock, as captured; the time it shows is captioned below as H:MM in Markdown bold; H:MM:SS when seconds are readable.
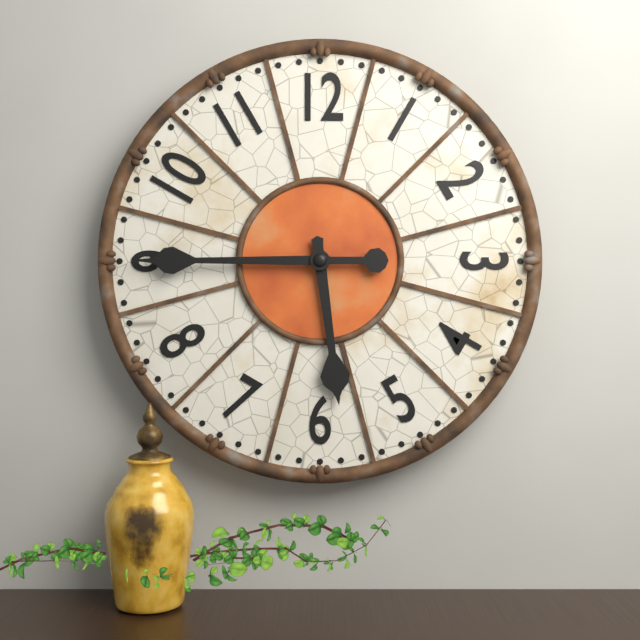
**5:45**
